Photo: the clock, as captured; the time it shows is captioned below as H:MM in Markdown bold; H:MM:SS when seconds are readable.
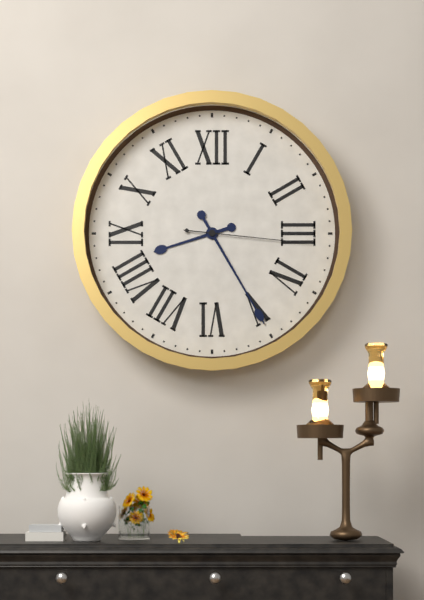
**8:25:16**
